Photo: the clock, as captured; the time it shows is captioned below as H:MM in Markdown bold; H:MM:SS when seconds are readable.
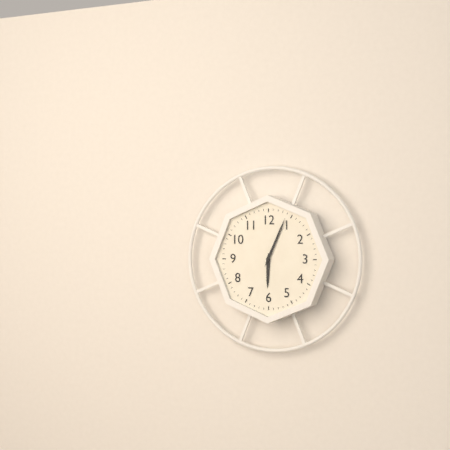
**6:04**
